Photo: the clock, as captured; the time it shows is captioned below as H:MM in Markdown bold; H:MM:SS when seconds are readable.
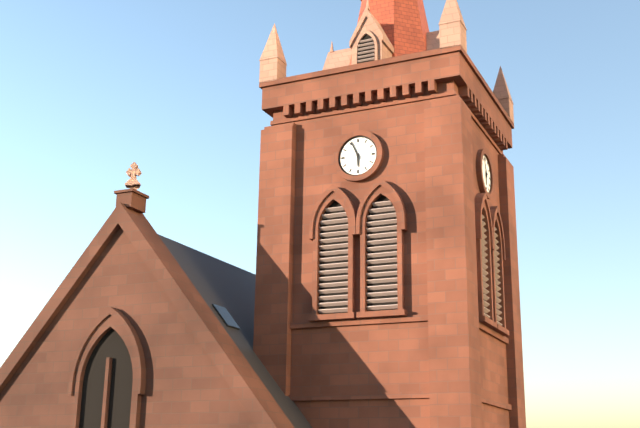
**5:56**
